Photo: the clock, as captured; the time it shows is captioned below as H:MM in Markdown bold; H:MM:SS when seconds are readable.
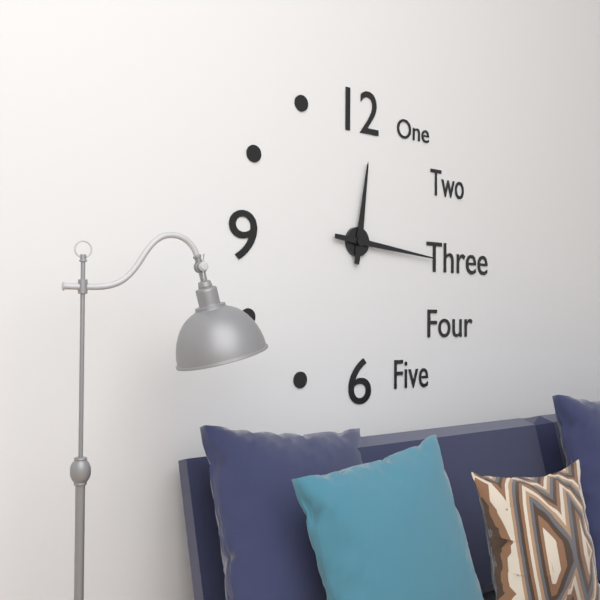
**12:16**
